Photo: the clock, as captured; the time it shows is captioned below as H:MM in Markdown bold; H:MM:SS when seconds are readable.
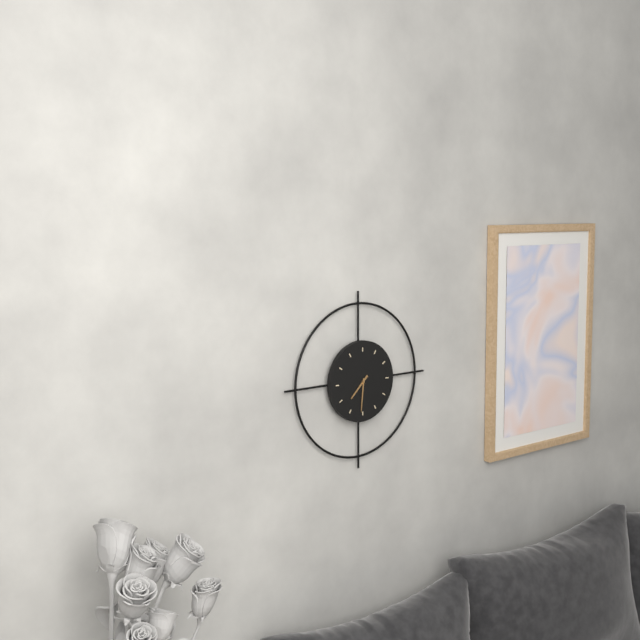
**7:31**
